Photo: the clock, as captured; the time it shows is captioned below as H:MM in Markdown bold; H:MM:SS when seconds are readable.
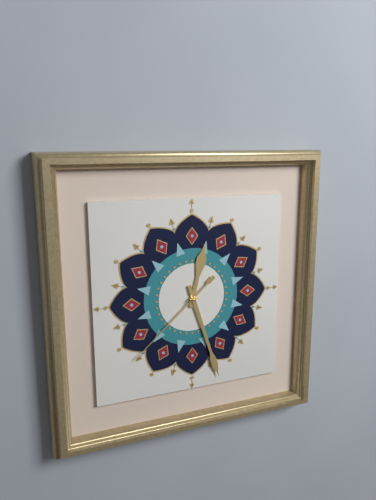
**12:27:38**
